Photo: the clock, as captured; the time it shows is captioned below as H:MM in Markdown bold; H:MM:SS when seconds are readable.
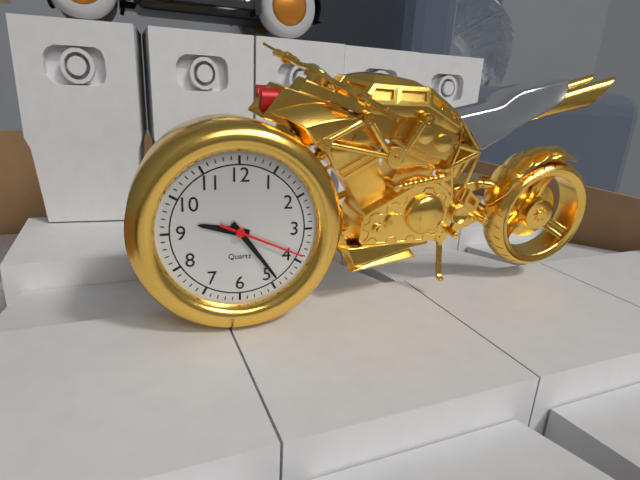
**9:24:19**
